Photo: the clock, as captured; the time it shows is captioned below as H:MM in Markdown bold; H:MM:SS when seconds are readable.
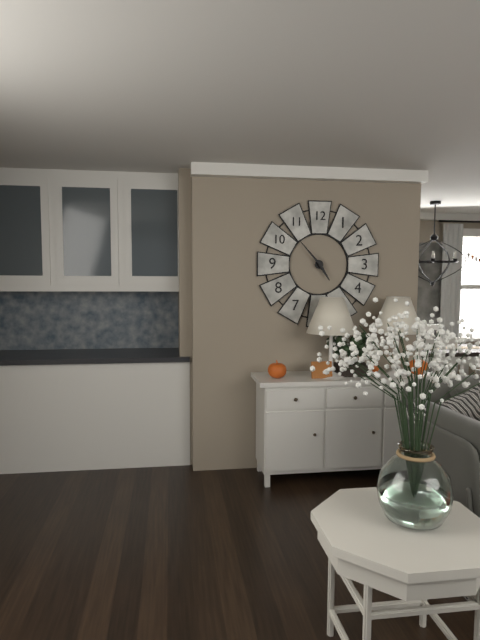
**4:53**
